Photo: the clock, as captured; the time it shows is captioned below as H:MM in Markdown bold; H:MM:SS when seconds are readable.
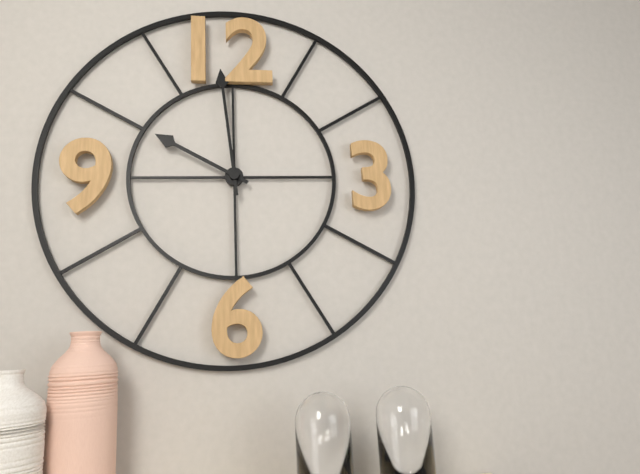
**9:59**
